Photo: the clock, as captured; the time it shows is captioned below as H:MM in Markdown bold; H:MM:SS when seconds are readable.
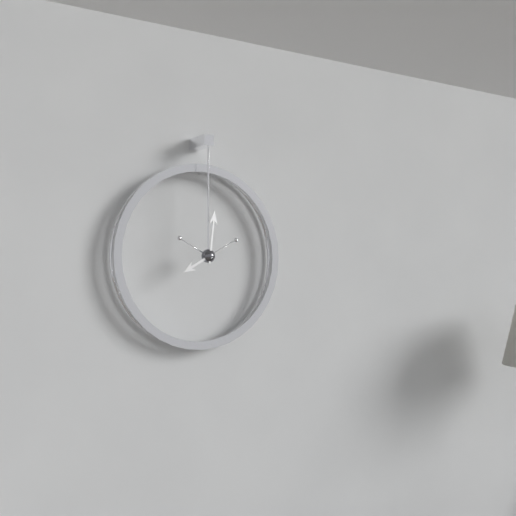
**8:01**
